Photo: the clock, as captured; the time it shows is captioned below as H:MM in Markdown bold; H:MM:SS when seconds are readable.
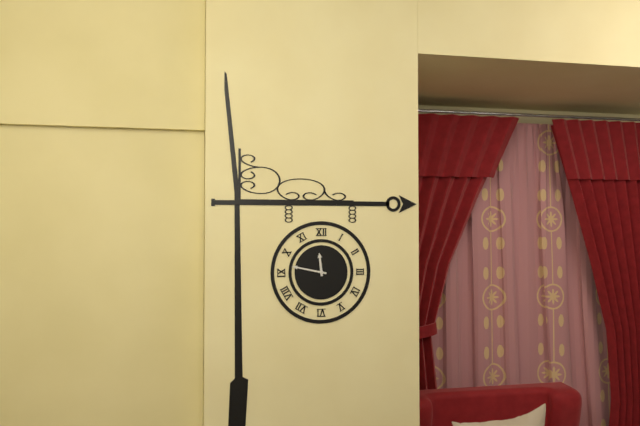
**11:47**
